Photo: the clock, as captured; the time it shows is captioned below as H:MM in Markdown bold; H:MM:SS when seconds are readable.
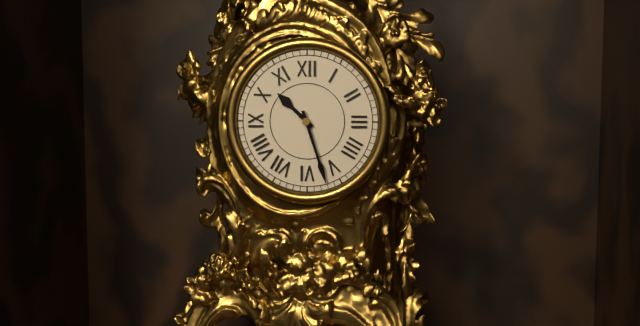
**10:27**
